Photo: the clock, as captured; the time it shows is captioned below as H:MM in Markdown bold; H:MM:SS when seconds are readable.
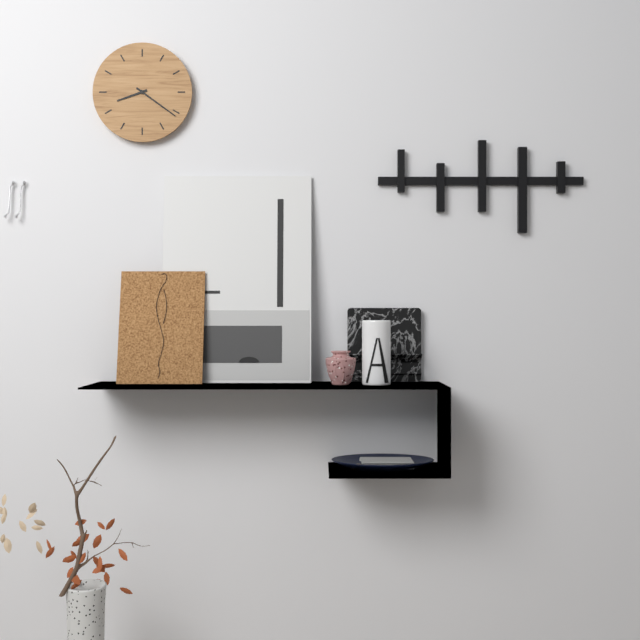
**8:21**
